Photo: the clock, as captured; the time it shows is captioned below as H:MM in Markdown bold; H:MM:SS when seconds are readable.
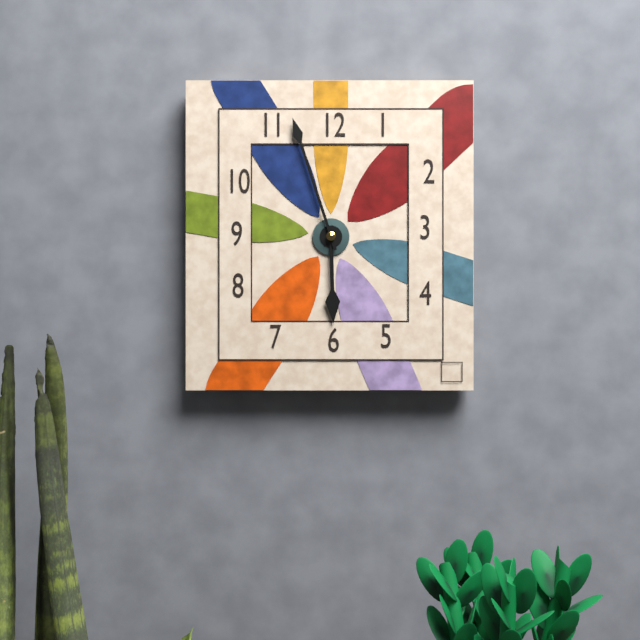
**5:57**
